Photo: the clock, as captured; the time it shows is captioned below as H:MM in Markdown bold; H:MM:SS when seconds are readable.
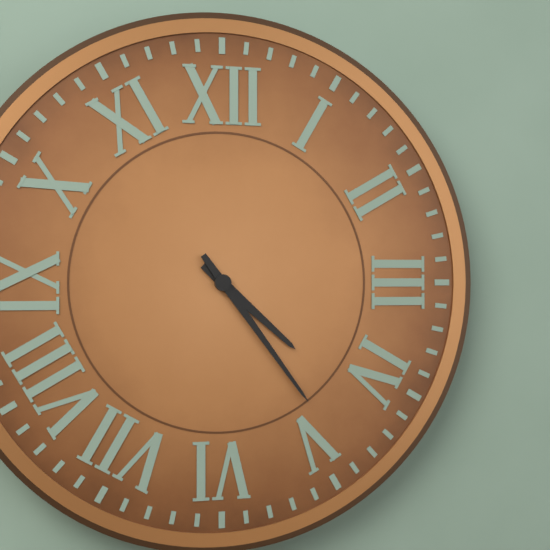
**4:24**
